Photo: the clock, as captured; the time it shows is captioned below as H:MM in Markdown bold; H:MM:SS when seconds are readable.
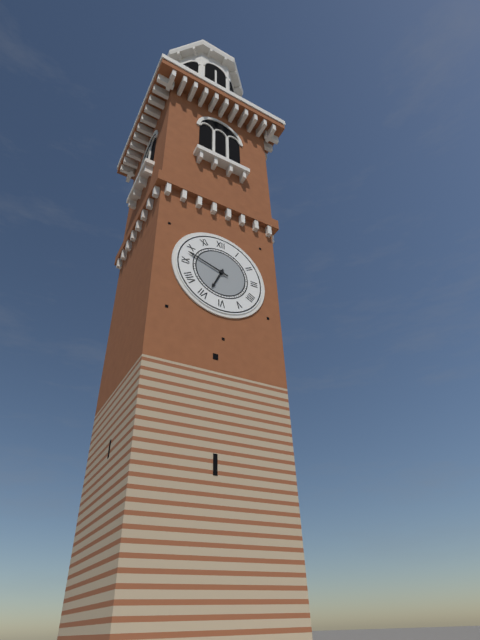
**6:48**
